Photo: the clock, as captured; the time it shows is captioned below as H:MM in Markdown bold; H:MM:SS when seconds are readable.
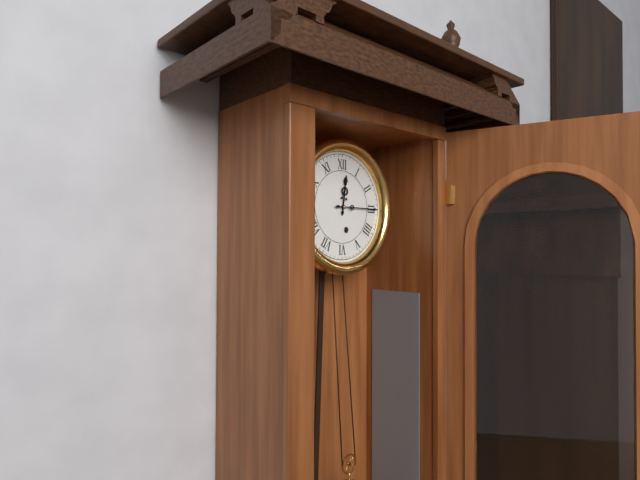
**12:15**
